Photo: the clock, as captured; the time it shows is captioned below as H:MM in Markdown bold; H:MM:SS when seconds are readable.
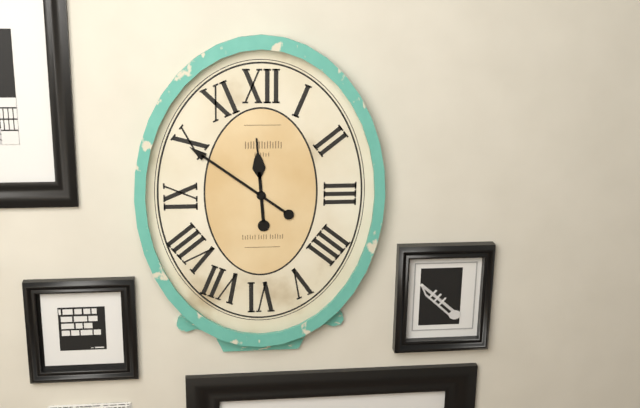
**11:51**
